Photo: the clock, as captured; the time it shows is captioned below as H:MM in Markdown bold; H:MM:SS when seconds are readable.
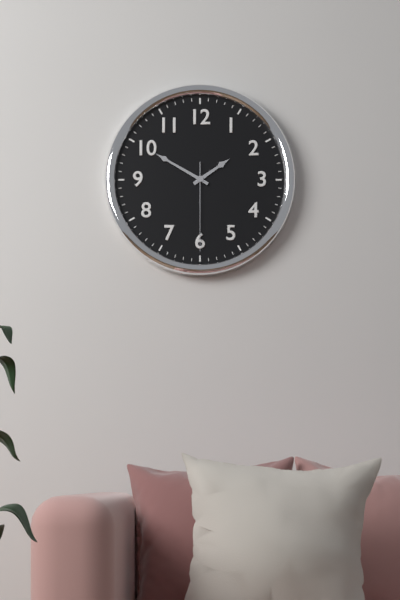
**1:50:30**
